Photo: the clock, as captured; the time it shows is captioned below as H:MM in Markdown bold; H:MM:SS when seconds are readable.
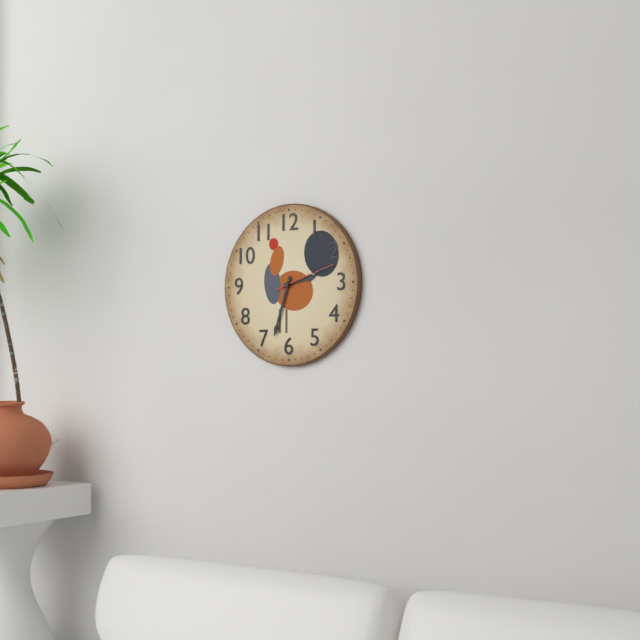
**2:33:12**
